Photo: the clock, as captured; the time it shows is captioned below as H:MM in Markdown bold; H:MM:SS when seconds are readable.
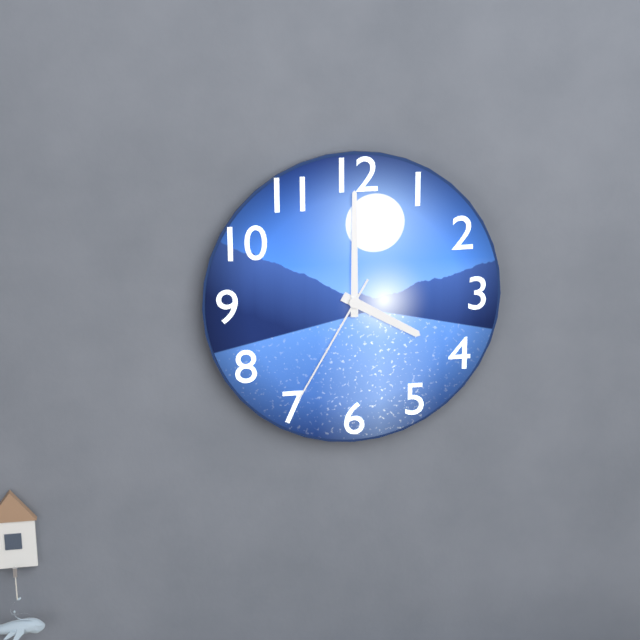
**4:00:35**
